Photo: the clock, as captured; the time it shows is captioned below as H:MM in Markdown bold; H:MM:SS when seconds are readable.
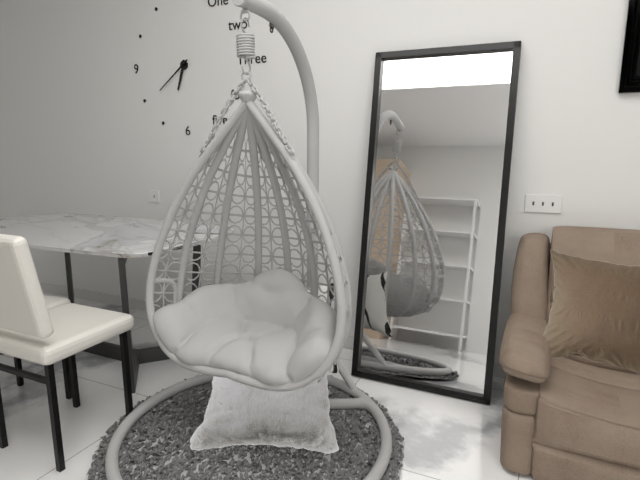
**6:39**
